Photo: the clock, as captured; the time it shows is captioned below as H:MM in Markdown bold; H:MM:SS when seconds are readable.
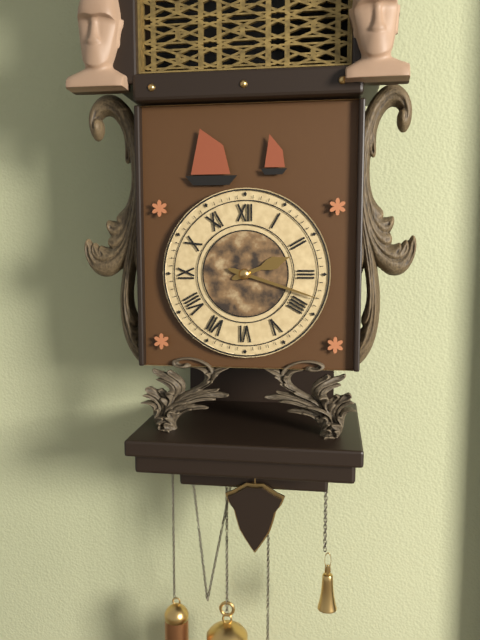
**2:18**
